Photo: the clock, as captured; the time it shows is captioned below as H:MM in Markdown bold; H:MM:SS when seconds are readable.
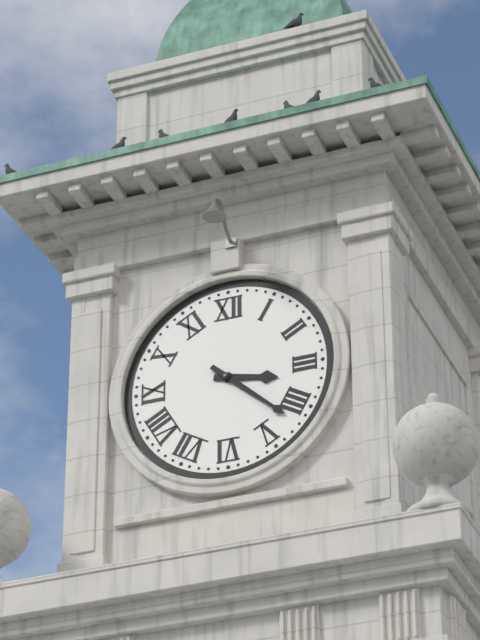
**3:22**
